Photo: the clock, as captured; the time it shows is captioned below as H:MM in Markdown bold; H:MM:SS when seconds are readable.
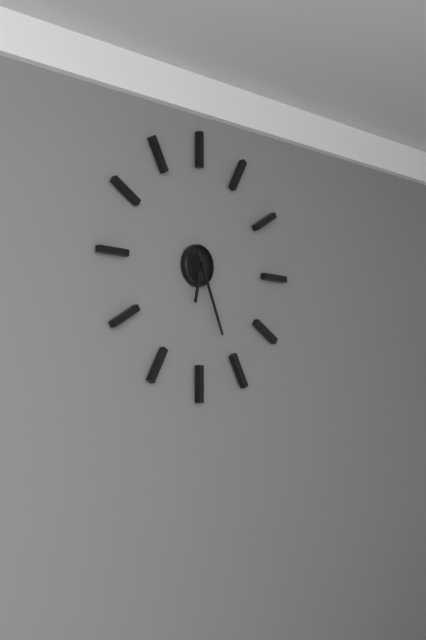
**6:26**
